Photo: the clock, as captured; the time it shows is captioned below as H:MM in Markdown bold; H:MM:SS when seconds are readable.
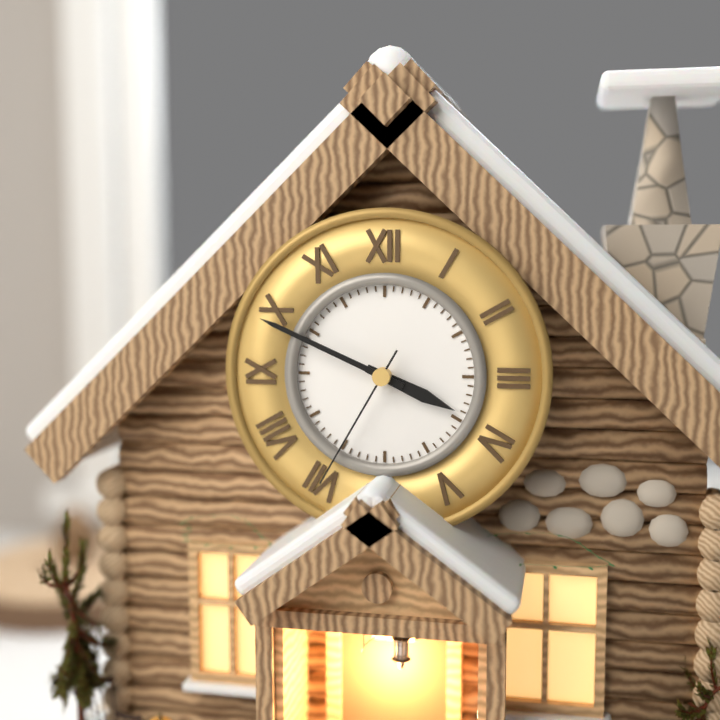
**3:49:35**
